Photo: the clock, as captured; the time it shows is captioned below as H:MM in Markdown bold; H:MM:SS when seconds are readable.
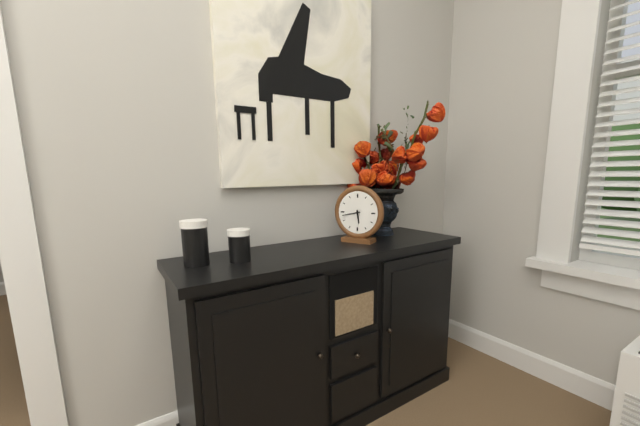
**5:43**
